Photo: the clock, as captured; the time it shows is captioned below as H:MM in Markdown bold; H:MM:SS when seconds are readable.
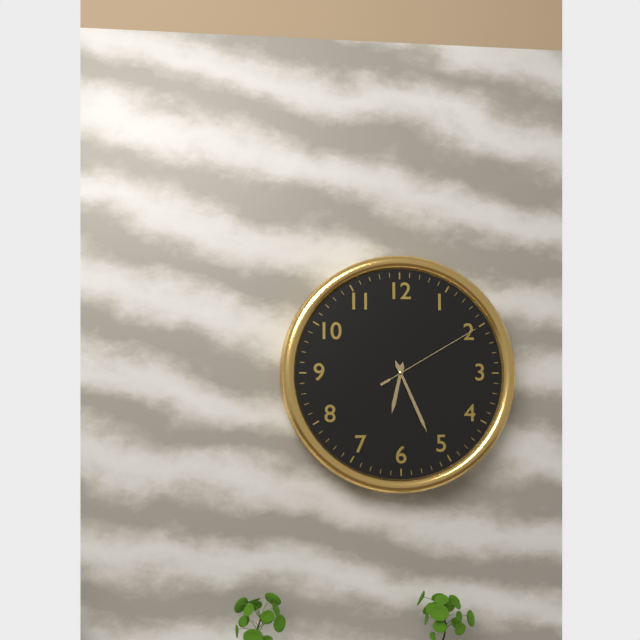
**6:26:10**
